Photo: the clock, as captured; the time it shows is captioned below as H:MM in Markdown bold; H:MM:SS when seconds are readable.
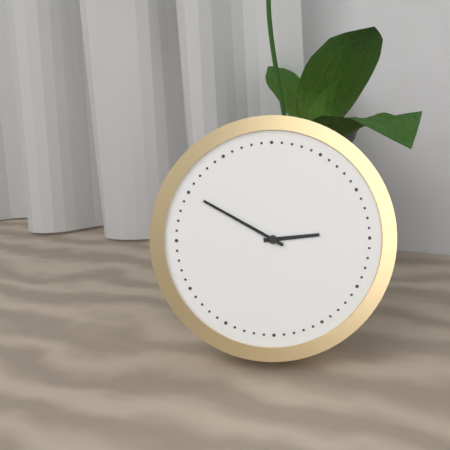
**2:50**
